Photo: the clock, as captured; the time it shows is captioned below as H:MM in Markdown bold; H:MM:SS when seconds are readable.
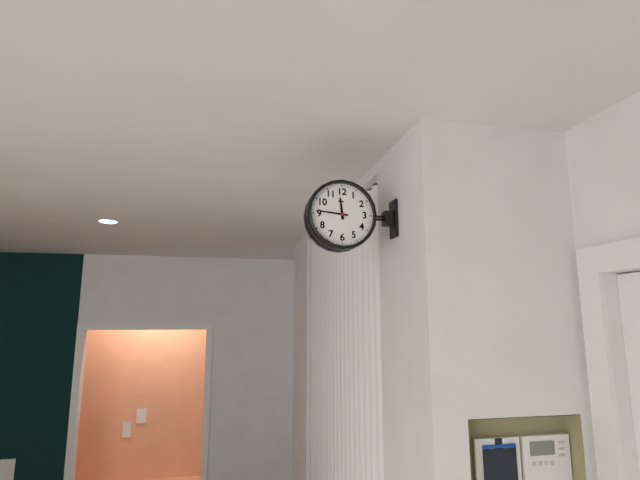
**11:46**
